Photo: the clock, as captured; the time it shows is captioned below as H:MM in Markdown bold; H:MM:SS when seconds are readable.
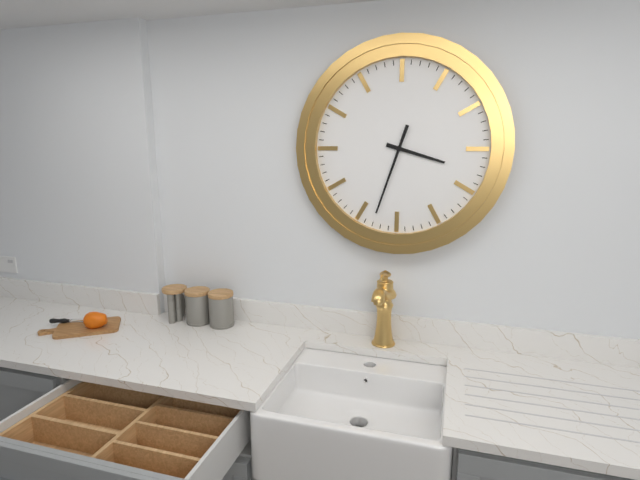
**3:33**
